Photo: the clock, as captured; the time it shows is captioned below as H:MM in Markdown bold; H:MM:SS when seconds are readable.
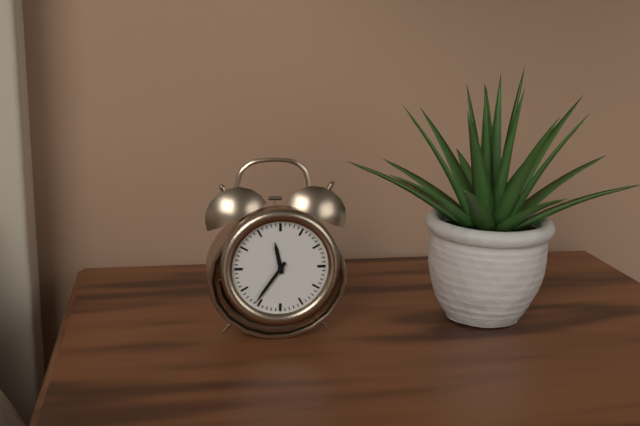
**11:36**
